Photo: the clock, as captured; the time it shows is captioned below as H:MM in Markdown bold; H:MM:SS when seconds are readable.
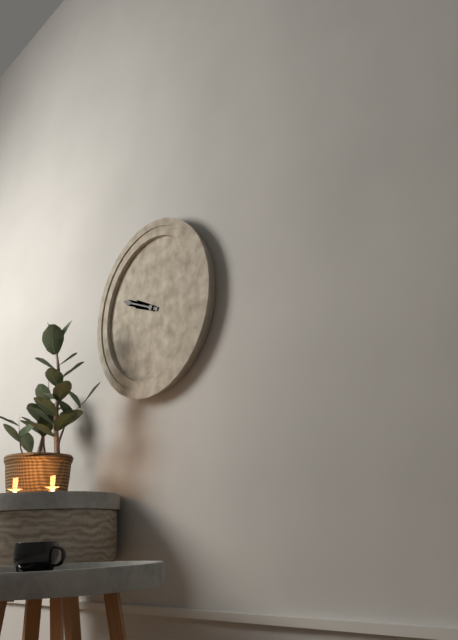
**9:49**
